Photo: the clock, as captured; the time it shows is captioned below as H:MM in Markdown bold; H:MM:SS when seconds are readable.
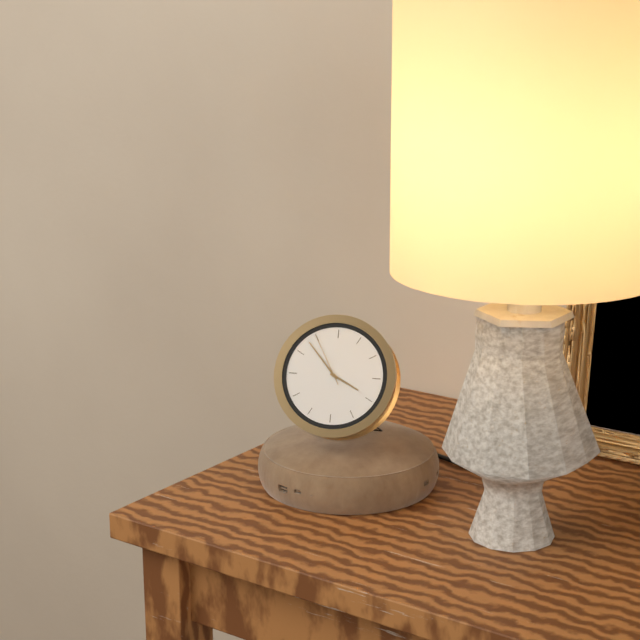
**3:53:55**
